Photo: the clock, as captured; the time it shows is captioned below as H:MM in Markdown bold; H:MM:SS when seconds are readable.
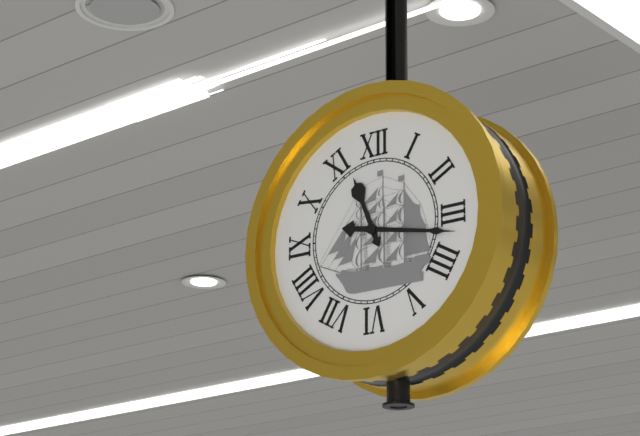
**11:17**
